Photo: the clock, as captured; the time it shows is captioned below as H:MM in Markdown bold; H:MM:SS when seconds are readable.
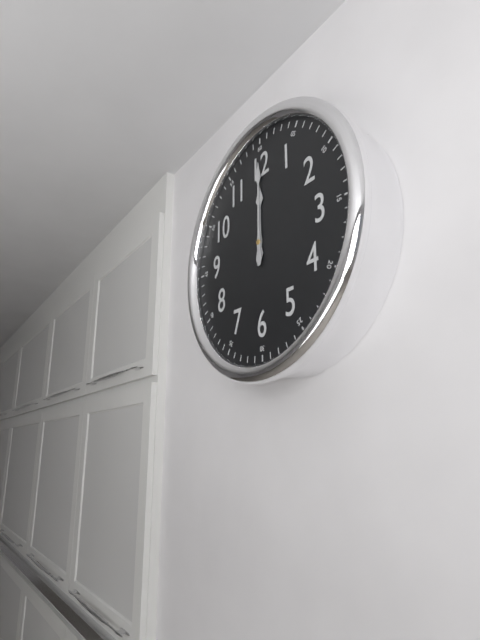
**12:00**
